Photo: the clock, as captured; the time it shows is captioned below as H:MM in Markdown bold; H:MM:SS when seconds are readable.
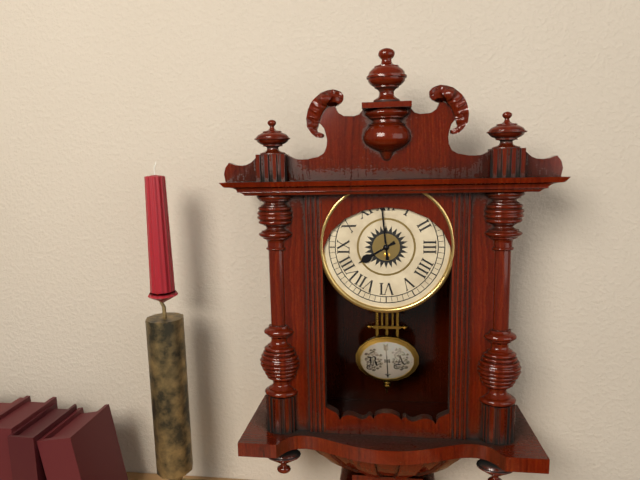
**7:59**
